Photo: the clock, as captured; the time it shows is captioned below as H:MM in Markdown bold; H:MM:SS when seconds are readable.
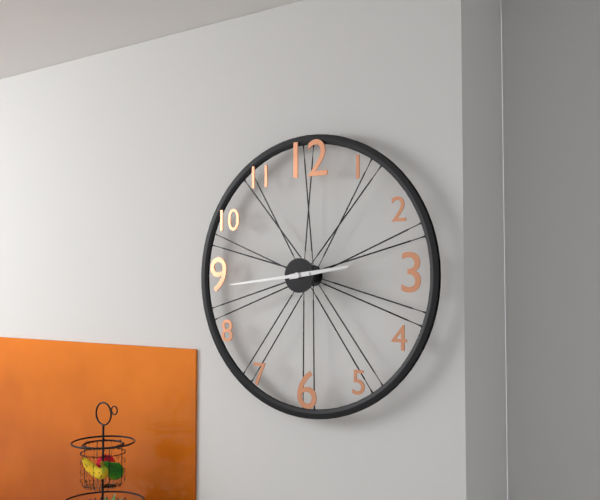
**2:44**
